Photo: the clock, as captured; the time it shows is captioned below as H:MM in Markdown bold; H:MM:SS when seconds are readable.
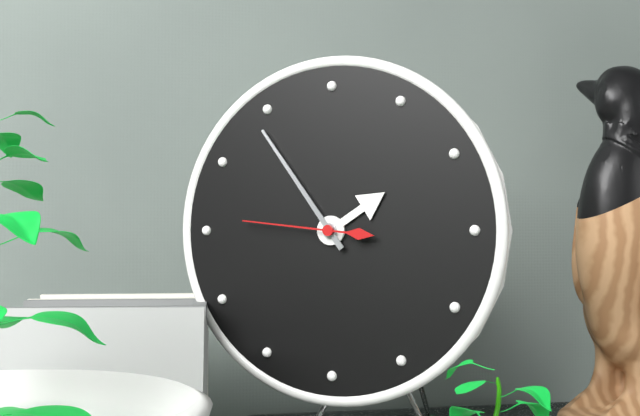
**1:54:46**
